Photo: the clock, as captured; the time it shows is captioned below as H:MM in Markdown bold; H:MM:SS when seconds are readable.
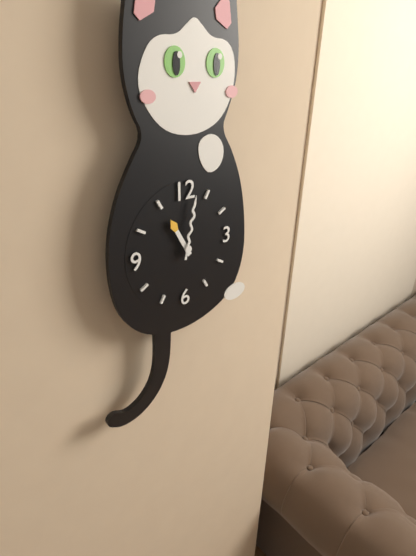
**11:02**
